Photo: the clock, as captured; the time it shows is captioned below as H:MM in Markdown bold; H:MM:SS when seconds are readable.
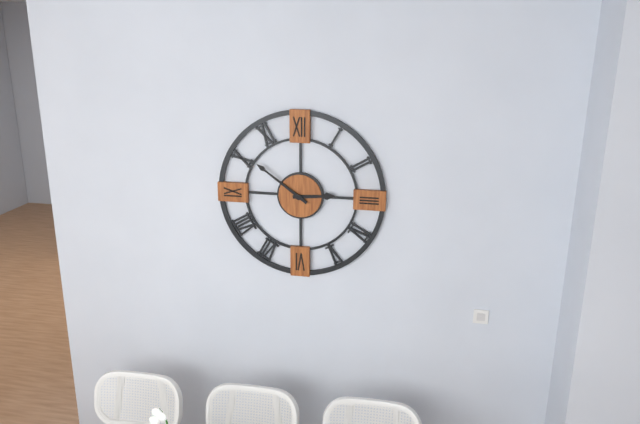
**2:51**
